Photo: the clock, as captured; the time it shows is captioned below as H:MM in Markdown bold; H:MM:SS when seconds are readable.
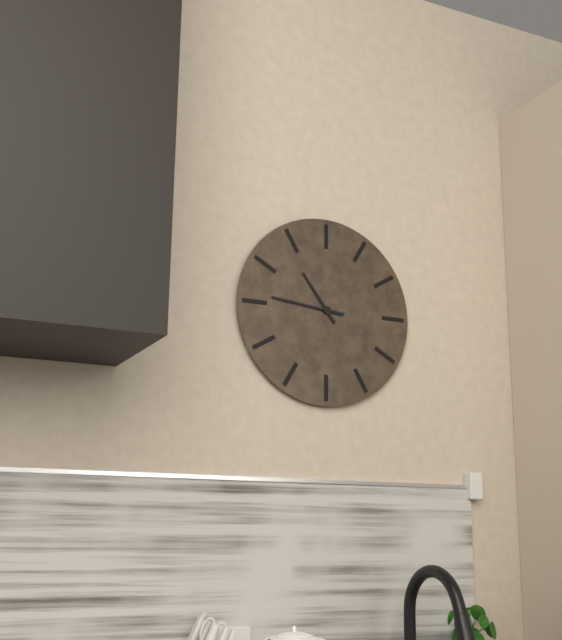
**10:46**
